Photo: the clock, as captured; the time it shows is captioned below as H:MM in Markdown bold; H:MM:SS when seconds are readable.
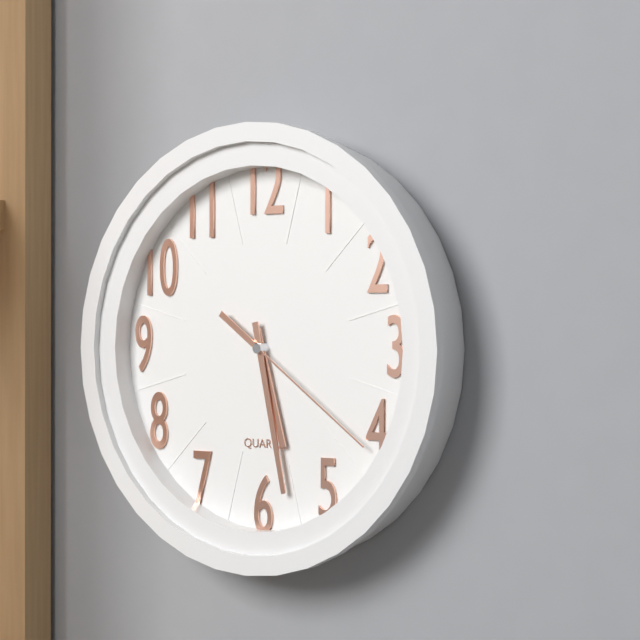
**5:28:21**
